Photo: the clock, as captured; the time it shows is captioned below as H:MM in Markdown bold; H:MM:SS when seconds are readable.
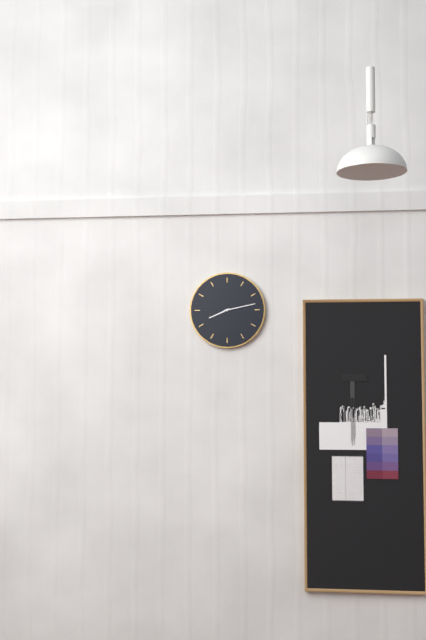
**8:13**
